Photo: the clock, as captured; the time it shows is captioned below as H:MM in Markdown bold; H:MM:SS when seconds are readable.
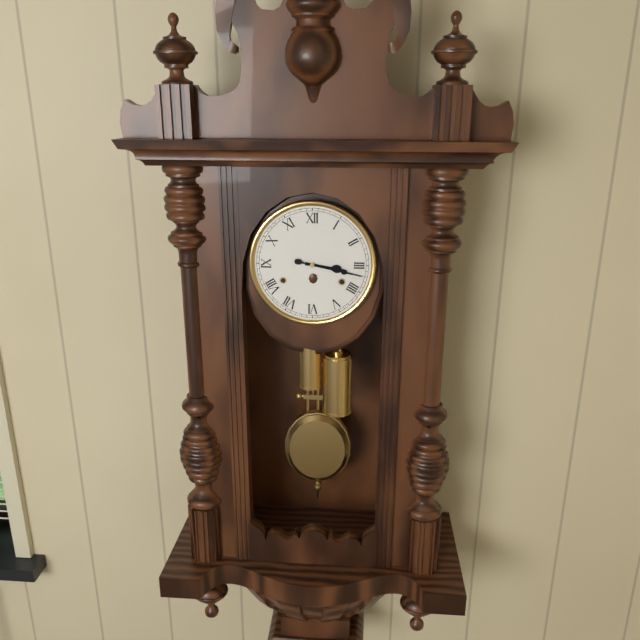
**3:17**
